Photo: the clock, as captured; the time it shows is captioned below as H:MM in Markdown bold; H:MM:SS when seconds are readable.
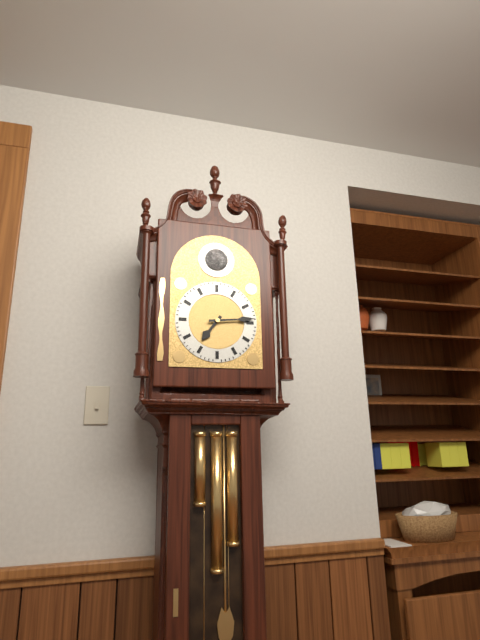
**7:14**
